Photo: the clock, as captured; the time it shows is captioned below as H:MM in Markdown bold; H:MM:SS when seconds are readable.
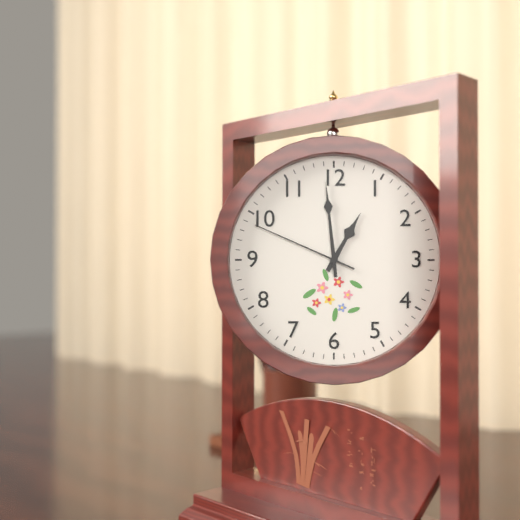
**12:59:49**
